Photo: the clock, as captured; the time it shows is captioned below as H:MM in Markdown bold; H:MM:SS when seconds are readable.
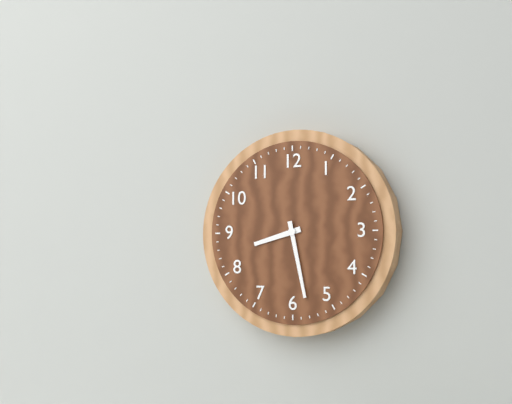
**8:28**
